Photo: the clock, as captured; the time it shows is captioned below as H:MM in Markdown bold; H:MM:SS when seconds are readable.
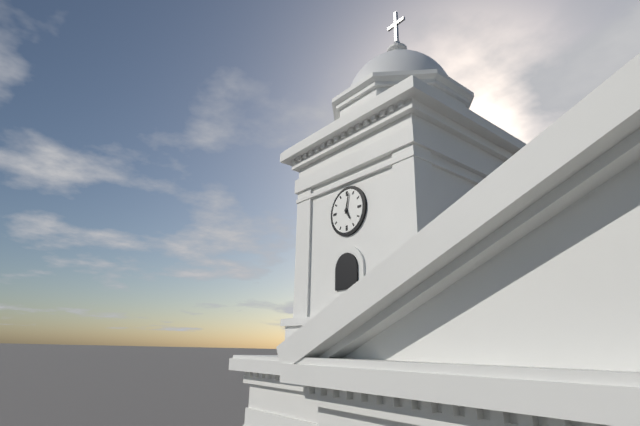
**5:02**
